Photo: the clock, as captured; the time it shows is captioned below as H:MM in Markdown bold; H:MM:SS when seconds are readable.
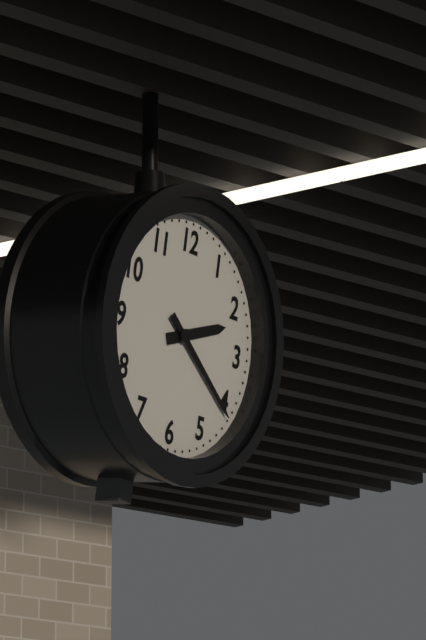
**2:21**
